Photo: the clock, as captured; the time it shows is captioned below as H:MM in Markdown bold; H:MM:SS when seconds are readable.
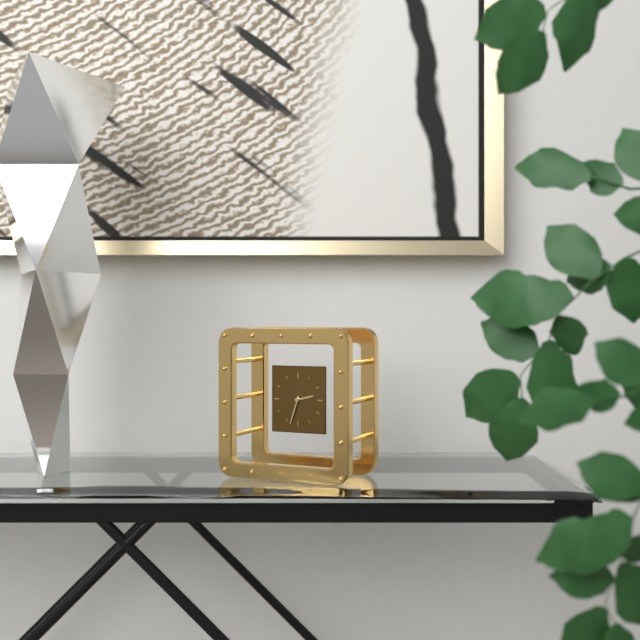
**2:33**
